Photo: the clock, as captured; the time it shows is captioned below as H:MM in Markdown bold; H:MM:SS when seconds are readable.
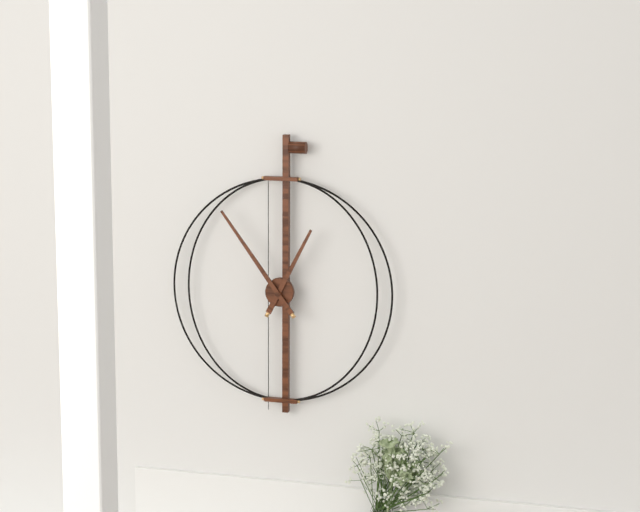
**12:54**
